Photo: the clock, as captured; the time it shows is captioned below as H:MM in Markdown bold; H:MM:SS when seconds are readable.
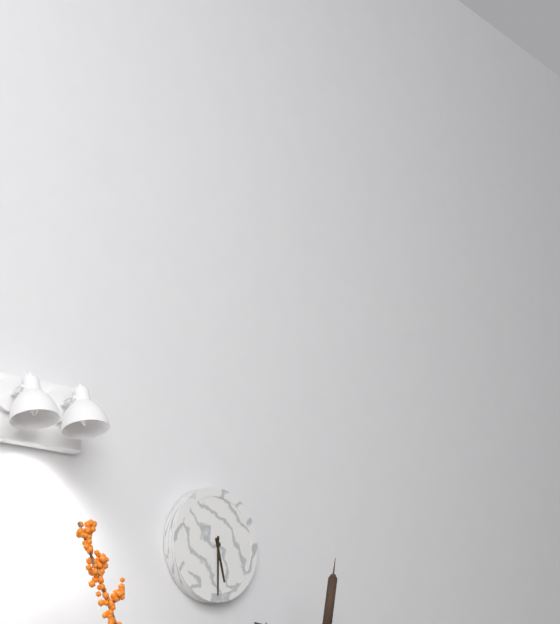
**5:30**
